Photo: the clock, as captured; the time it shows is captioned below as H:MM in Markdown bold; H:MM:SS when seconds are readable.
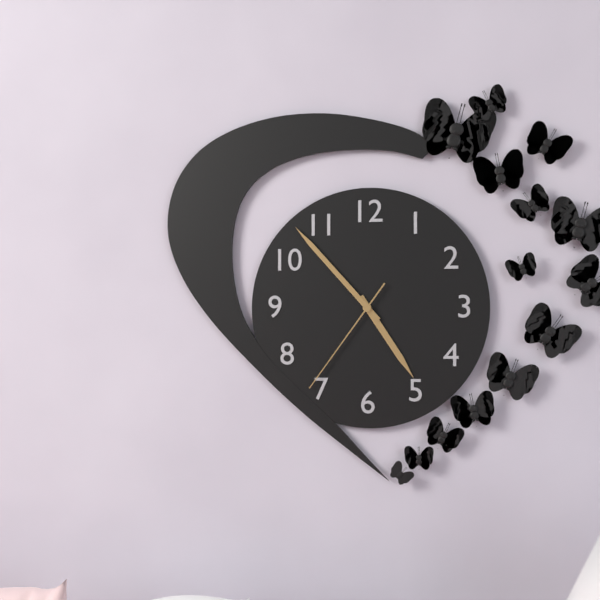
**4:53:36**
